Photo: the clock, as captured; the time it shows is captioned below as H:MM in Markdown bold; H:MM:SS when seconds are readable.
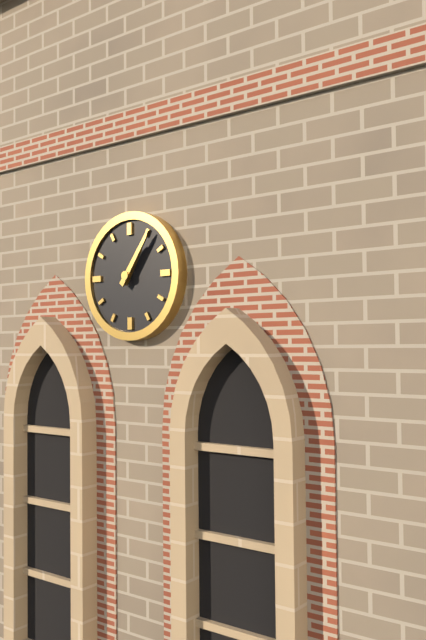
**1:06**
